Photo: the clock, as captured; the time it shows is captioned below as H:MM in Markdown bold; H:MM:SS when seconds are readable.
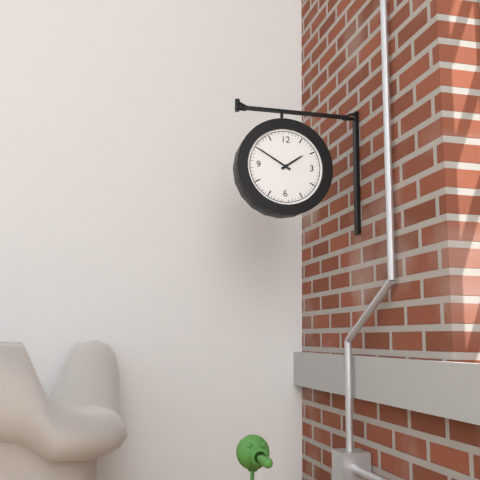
**1:50**
